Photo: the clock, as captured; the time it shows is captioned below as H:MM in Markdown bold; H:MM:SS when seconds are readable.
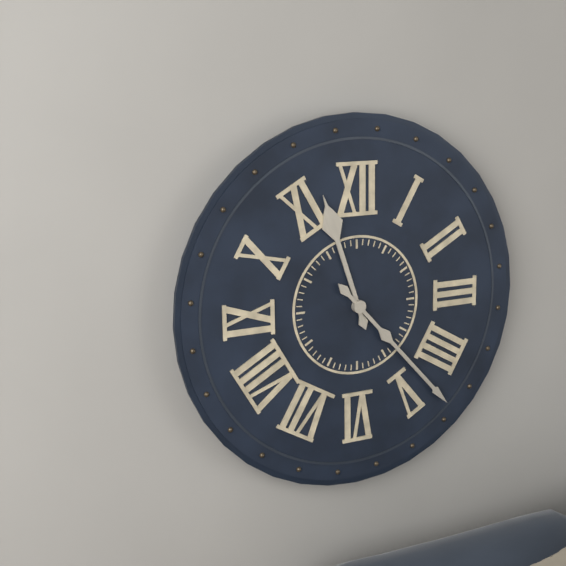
**11:23**
